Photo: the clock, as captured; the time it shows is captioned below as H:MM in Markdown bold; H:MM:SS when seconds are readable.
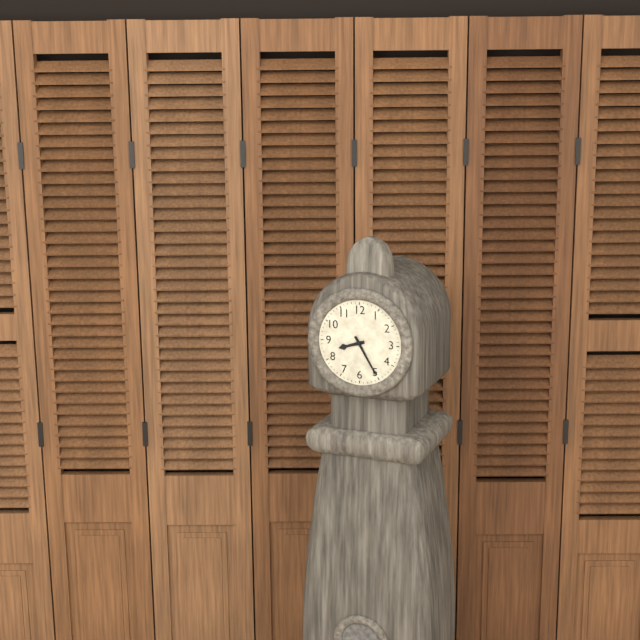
**8:25**
